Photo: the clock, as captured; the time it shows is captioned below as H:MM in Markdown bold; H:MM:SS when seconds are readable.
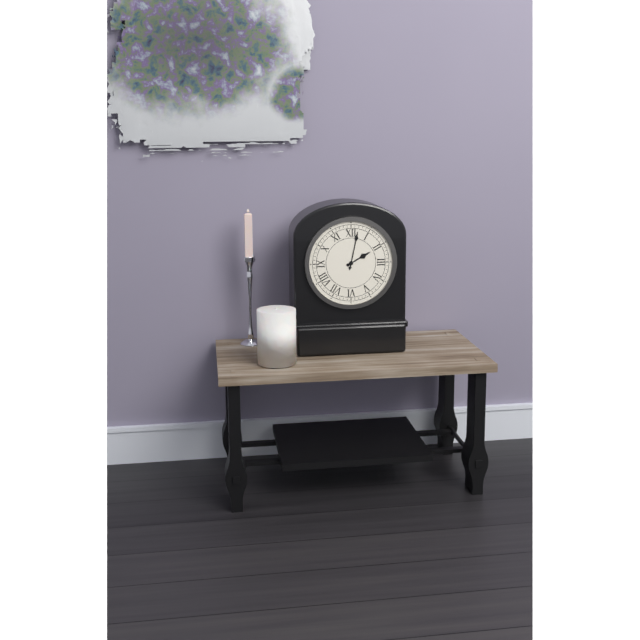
**2:02**
